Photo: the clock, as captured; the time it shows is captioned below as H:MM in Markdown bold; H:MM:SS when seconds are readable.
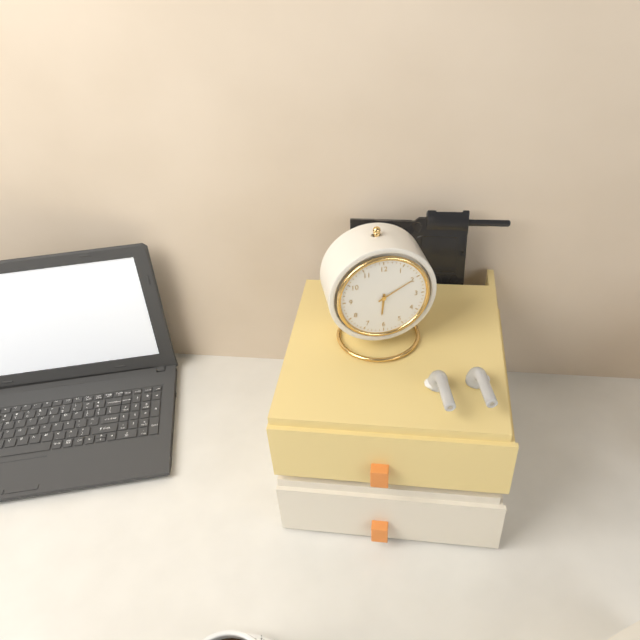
**6:10**
